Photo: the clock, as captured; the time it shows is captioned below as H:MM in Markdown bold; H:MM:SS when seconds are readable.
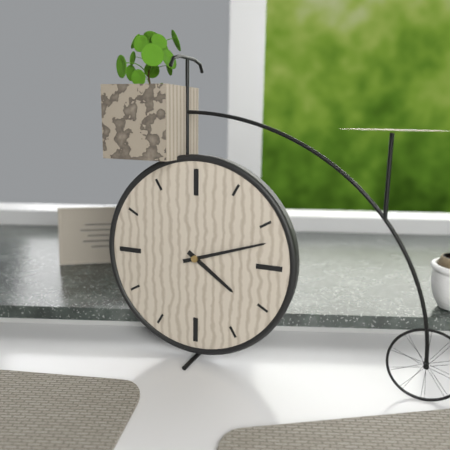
**4:12**
